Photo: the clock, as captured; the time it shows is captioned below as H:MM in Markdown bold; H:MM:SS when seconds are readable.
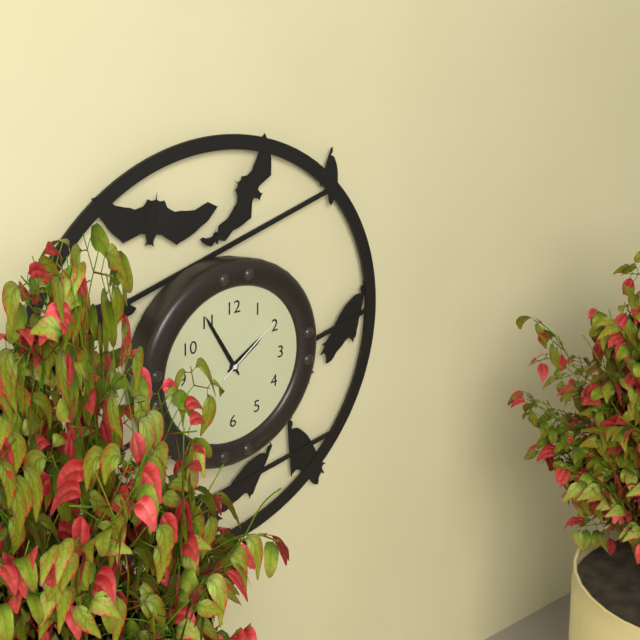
**1:55:09**
